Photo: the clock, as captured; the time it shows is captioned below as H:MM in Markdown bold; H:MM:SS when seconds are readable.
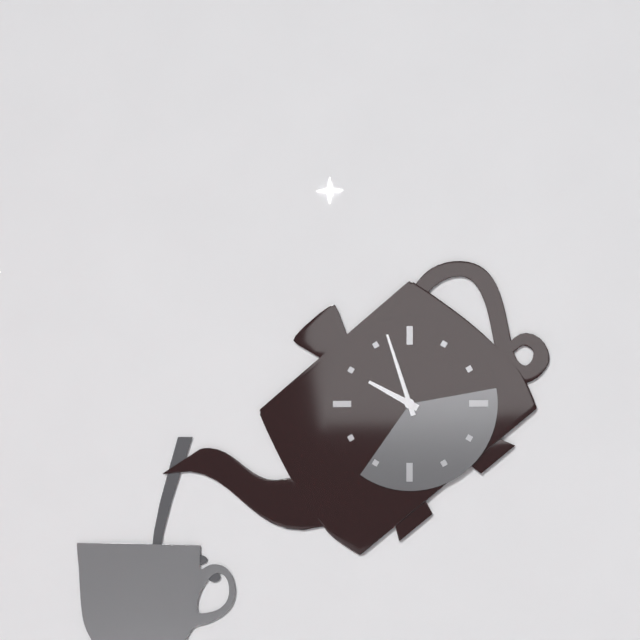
**9:57**
